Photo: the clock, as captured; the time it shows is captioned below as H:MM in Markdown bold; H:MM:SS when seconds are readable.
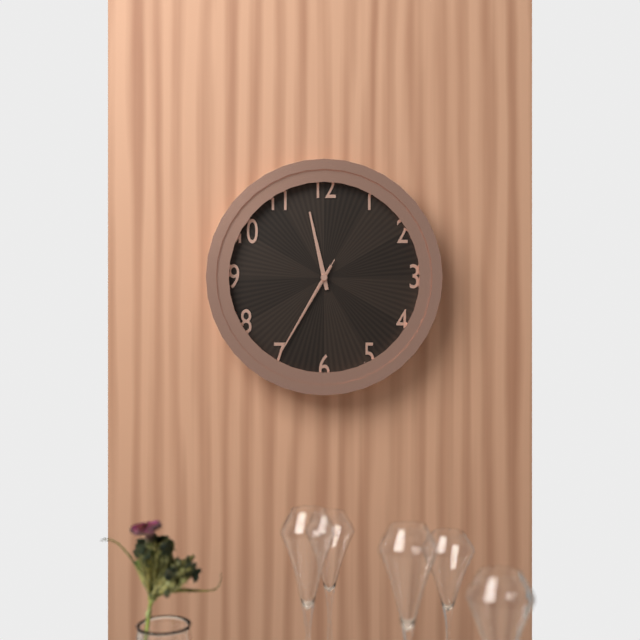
**11:35:35**
